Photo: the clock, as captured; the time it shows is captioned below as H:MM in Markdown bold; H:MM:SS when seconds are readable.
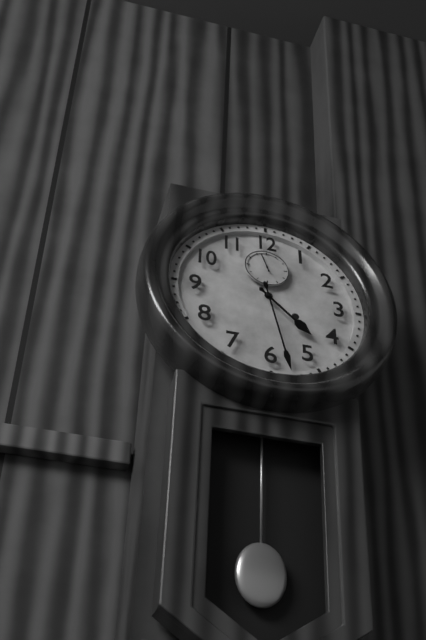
**4:28**
